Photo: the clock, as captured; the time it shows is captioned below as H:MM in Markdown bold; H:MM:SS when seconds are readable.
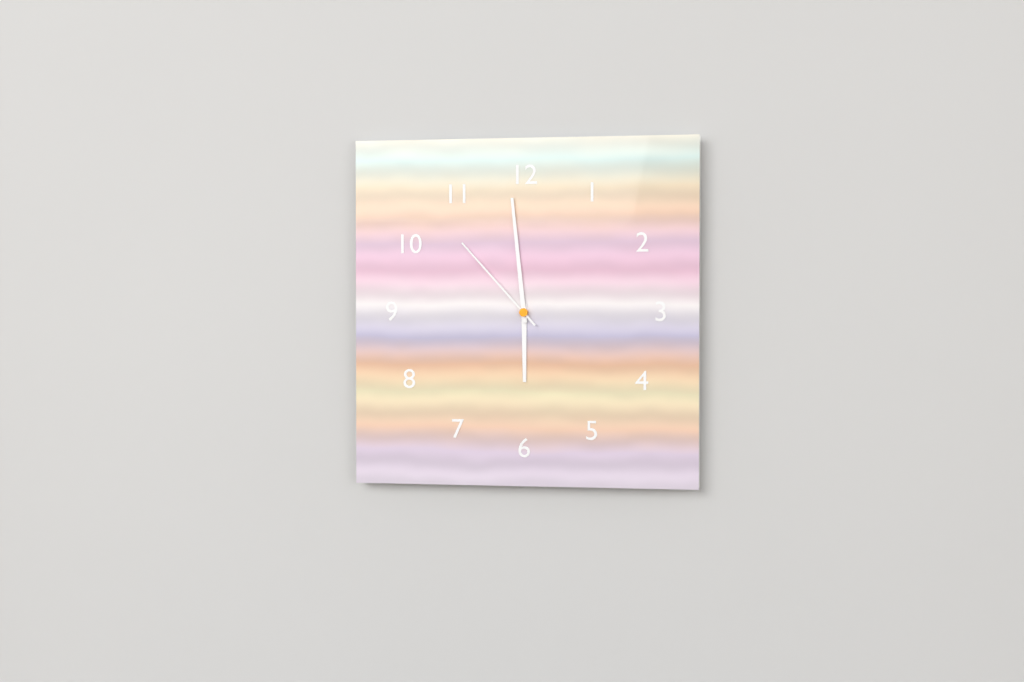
**5:59:53**
